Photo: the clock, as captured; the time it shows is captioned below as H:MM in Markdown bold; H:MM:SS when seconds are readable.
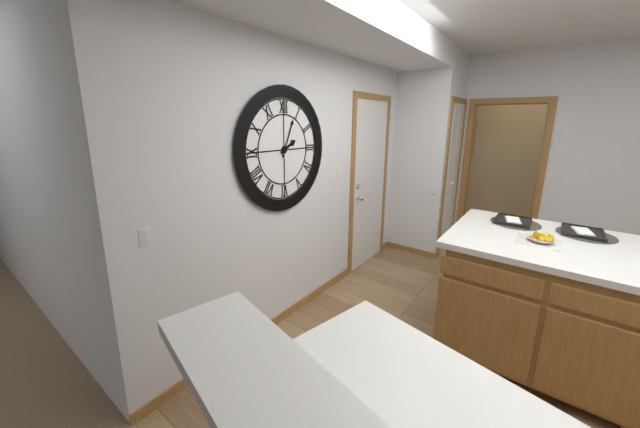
**2:04**
